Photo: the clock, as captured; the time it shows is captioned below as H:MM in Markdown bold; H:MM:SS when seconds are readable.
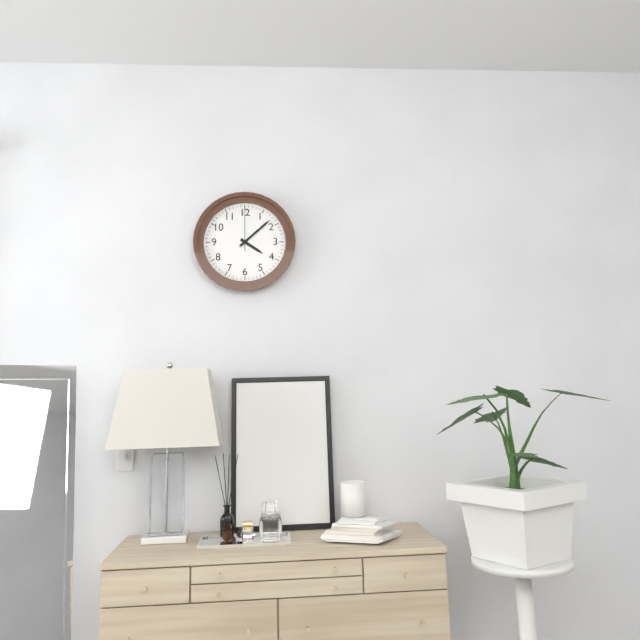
**4:08**
